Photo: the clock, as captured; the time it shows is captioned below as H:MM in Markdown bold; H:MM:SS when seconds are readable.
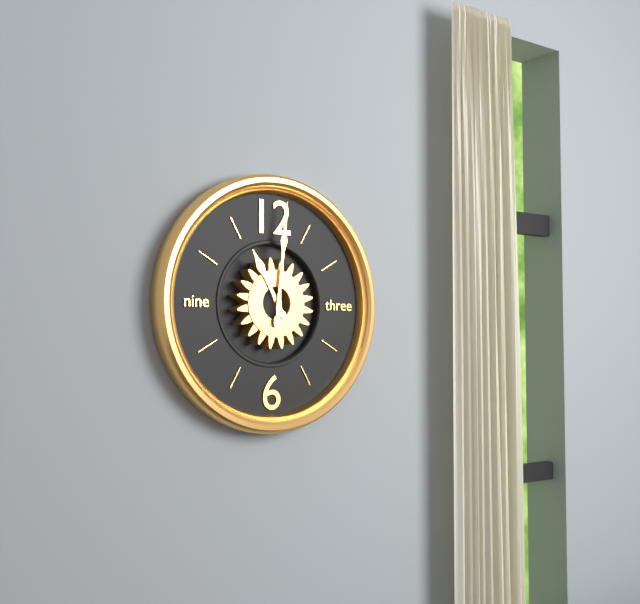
**11:01**
